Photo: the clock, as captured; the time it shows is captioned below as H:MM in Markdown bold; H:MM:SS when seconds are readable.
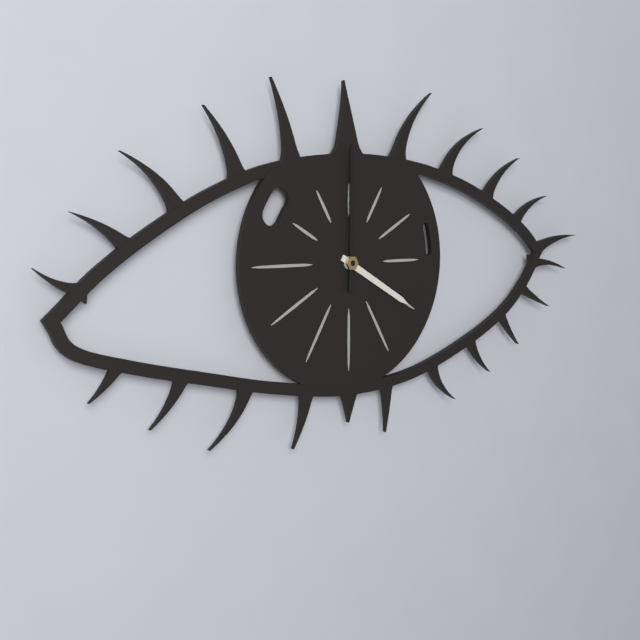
**4:00**
